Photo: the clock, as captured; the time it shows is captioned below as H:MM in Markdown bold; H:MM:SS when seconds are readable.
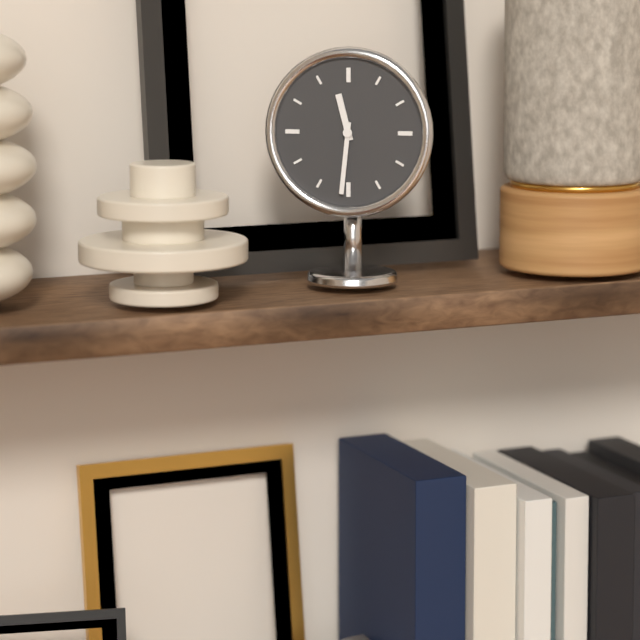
**11:31**
